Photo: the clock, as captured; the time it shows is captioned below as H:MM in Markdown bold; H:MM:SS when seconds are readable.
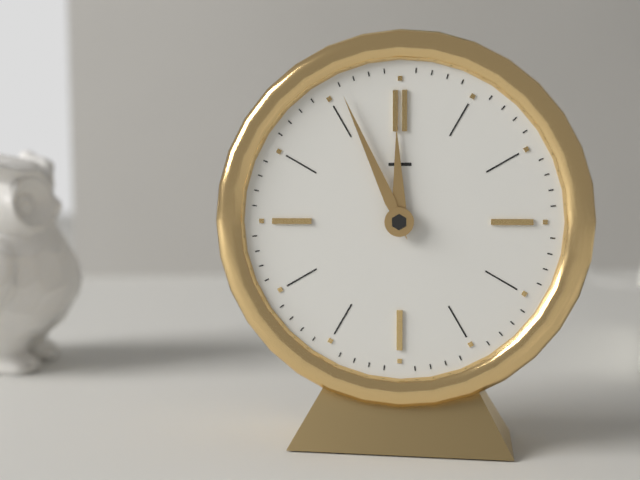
**11:56**
